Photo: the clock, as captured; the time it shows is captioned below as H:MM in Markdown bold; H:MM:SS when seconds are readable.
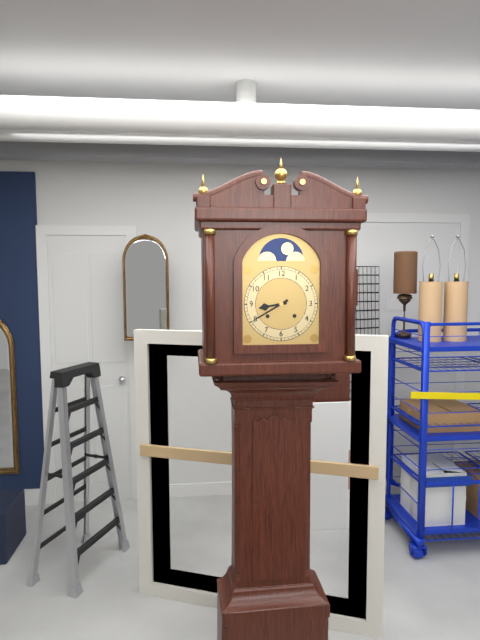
**8:40**
